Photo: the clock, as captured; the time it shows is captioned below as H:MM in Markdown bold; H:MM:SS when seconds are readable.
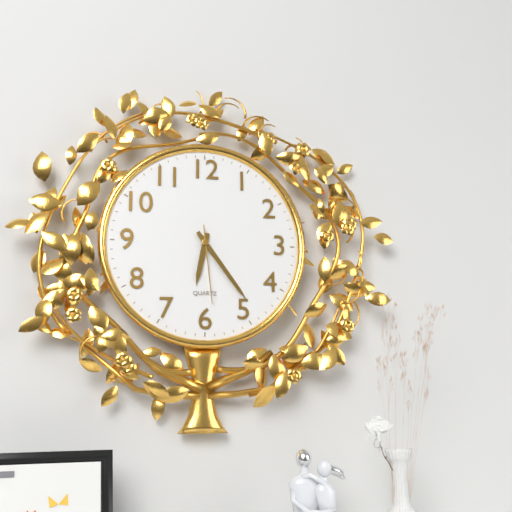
**6:24:29**
